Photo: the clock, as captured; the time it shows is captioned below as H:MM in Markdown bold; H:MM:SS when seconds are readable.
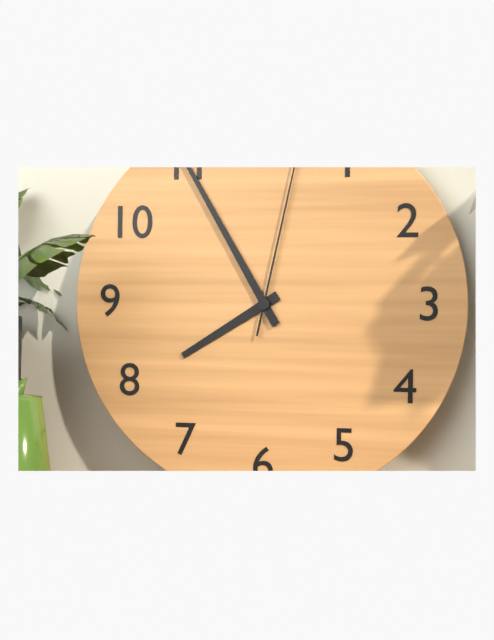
**7:55:02**
